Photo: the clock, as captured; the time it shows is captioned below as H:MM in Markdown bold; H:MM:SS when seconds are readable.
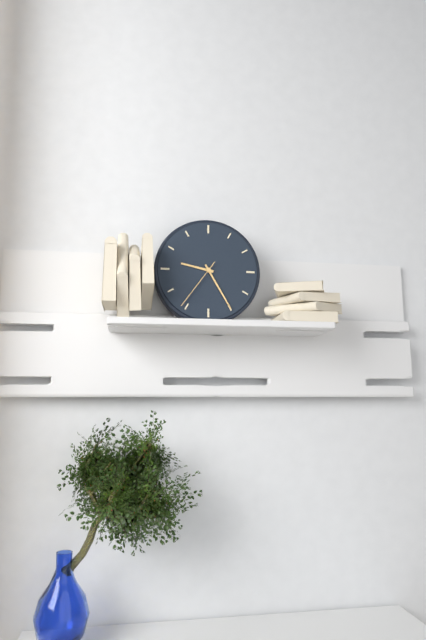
**9:25:36**
